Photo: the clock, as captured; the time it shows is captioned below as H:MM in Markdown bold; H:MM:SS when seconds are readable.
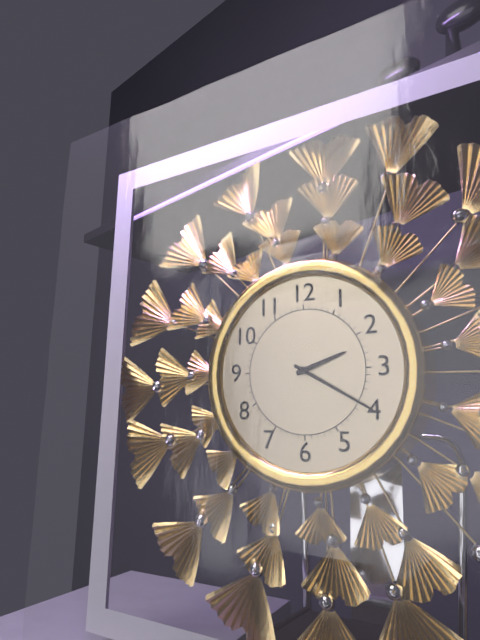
**2:20**
